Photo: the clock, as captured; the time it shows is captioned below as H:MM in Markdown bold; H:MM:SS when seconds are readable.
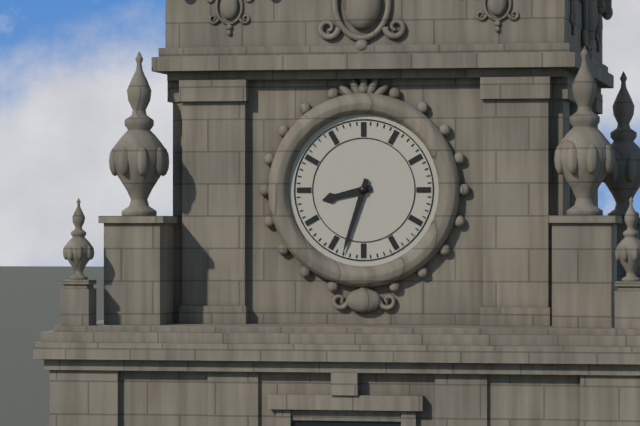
**8:33**
